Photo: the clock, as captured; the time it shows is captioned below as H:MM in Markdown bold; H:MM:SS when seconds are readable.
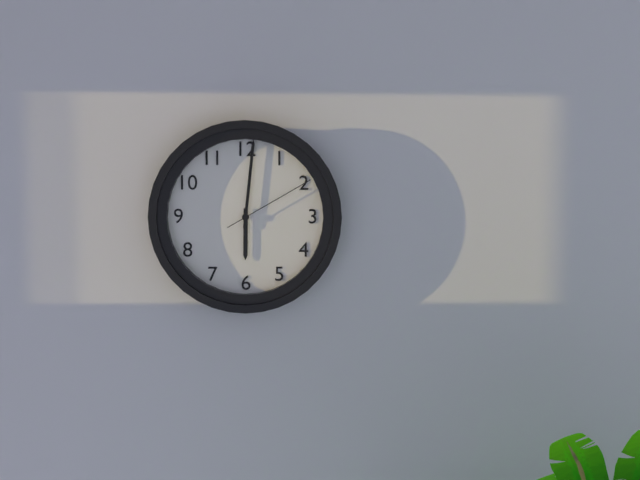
**6:01:10**
